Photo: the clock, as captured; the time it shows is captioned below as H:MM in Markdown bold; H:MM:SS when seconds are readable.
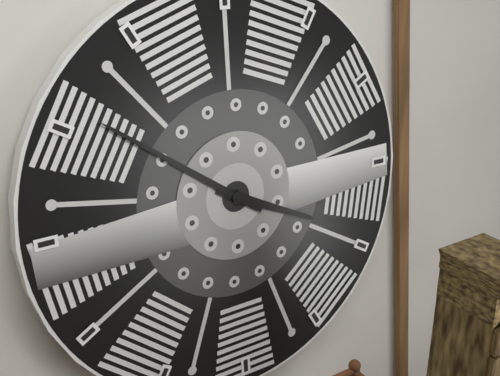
**3:51**
